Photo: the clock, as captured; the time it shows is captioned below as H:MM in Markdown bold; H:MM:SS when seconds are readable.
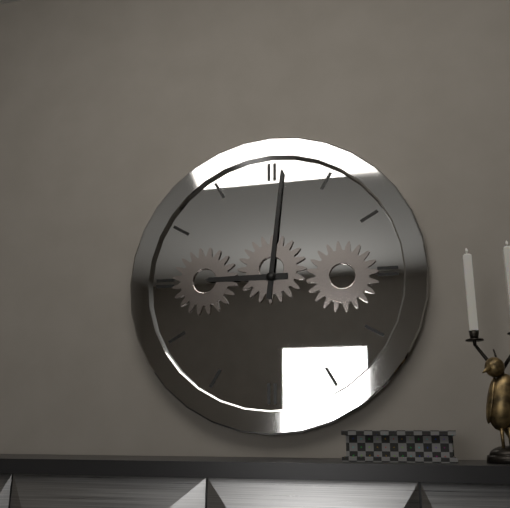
**9:01**
